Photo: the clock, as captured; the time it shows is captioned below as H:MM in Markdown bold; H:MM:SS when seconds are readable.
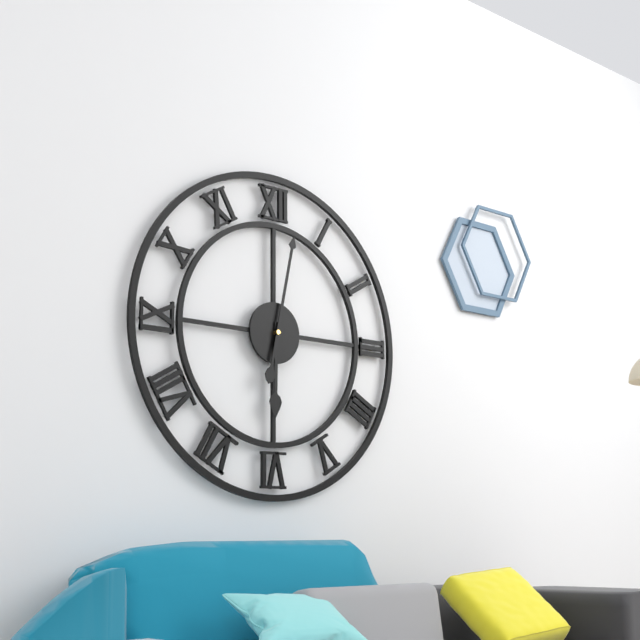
**6:02**
